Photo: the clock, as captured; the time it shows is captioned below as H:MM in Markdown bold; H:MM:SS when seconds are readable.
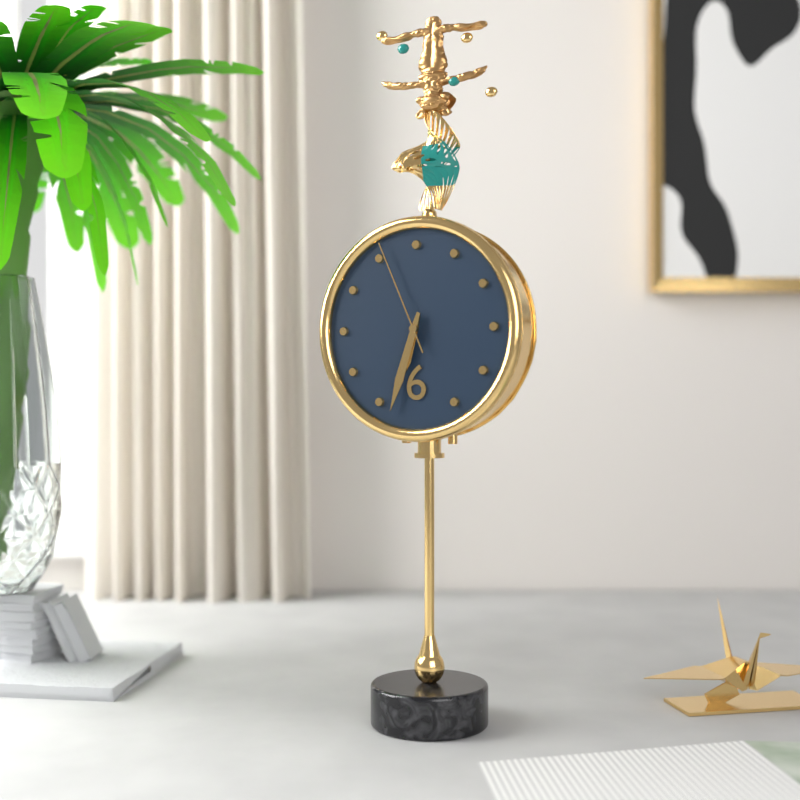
**6:33:56**
